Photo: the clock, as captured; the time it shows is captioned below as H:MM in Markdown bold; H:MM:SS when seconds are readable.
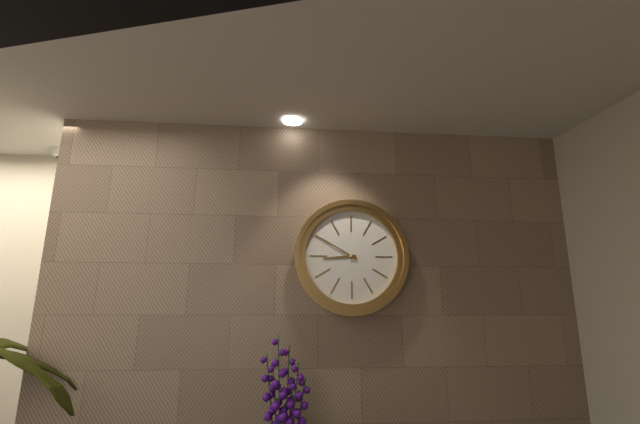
**8:50**
